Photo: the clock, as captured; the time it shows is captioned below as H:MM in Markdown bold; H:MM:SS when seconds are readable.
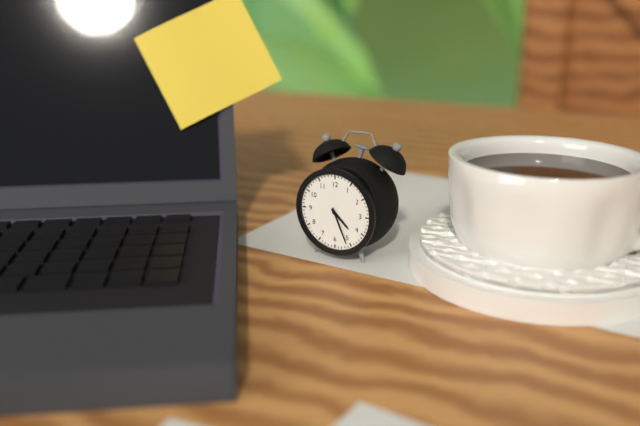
**4:26**
